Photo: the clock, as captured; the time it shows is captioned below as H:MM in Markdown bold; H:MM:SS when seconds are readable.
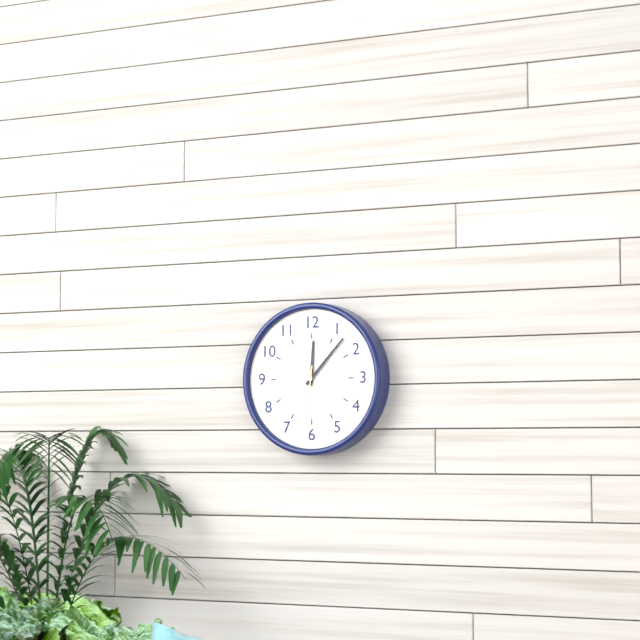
**12:07:31**
